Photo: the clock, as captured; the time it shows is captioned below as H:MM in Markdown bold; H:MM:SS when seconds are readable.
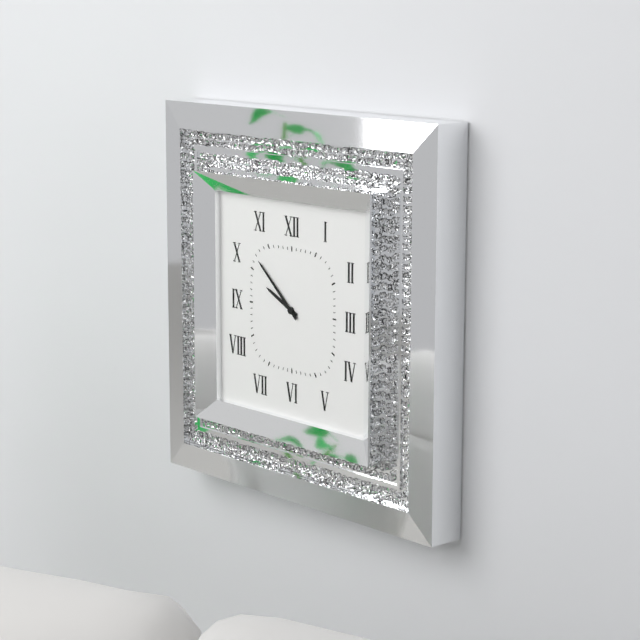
**9:52**
